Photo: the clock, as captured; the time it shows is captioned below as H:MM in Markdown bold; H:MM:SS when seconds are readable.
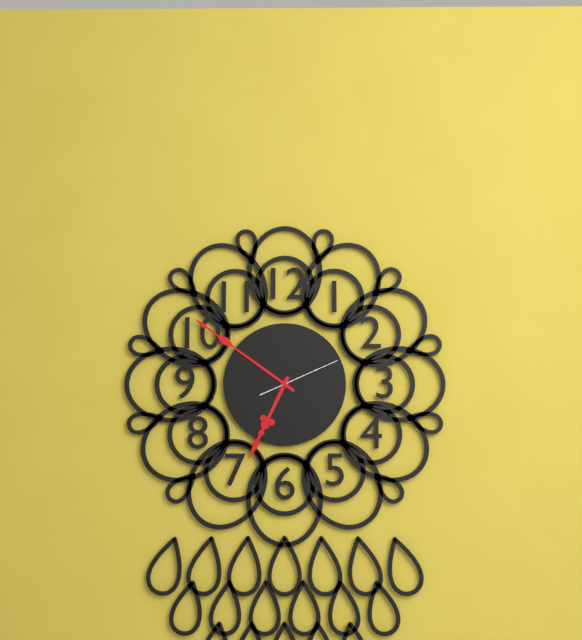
**6:51:11**
